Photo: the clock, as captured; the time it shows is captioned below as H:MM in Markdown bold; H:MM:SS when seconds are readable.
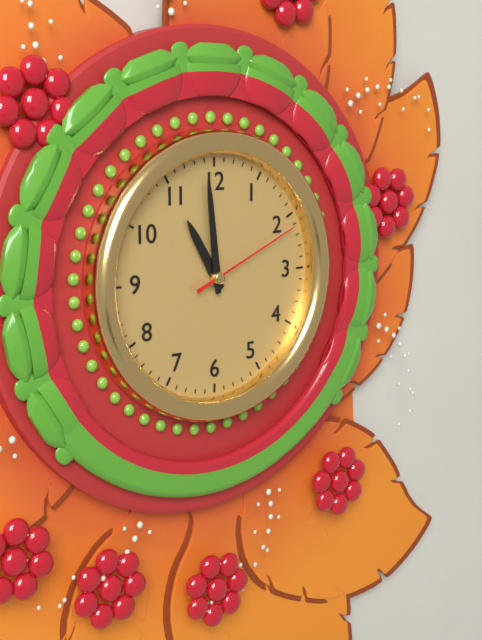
**10:59:11**
